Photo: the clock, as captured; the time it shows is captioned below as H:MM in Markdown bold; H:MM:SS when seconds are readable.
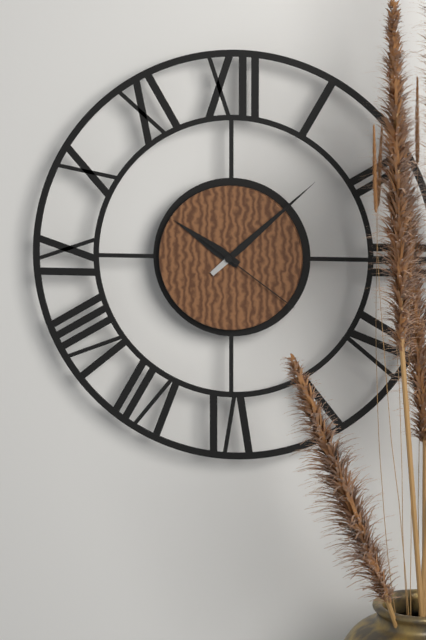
**10:08:21**
